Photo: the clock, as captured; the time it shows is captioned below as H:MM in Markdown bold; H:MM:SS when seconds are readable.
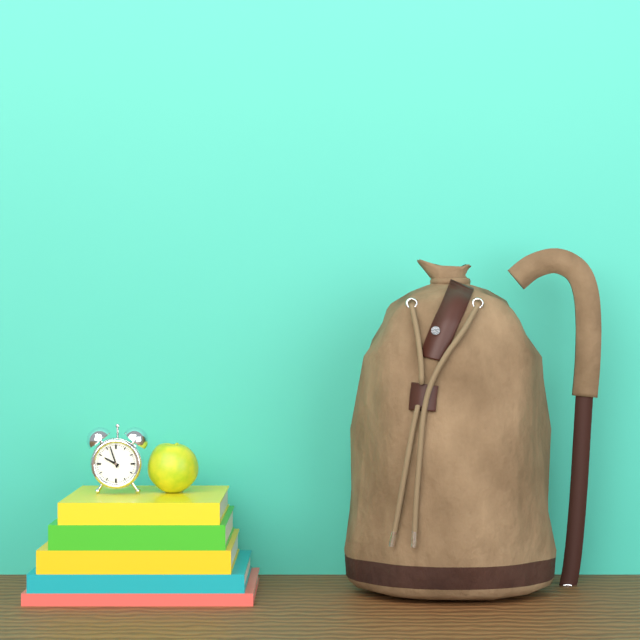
**9:57**
